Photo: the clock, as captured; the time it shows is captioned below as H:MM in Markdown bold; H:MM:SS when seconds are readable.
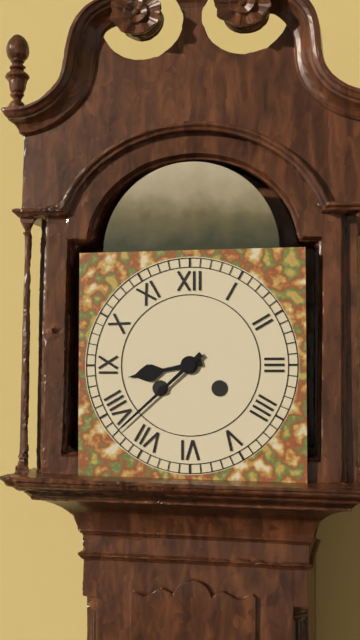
**8:38**
